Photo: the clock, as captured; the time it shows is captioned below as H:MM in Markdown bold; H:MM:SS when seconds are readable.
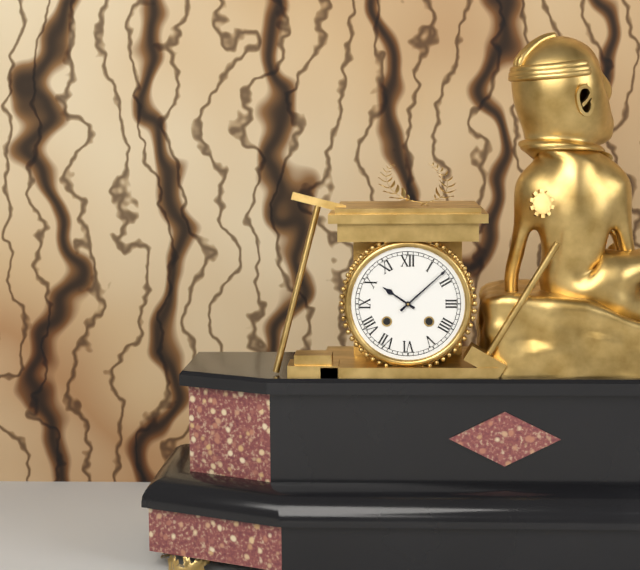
**10:08**
